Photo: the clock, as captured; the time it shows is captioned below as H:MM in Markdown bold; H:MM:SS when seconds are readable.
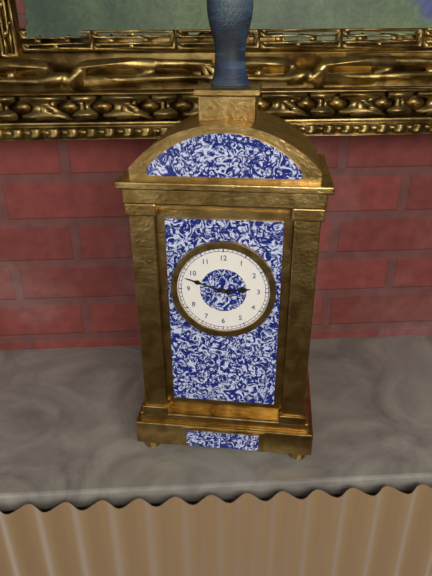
**2:48**
